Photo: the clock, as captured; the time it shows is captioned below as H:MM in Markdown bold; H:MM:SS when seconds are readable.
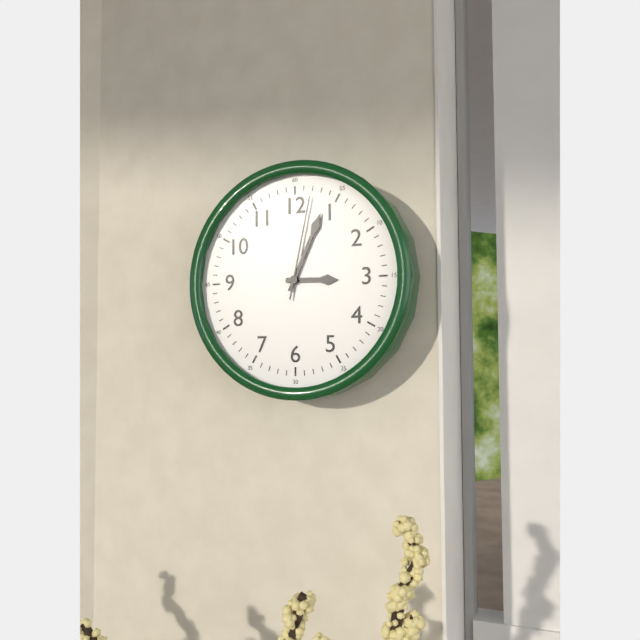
**3:04:02**
